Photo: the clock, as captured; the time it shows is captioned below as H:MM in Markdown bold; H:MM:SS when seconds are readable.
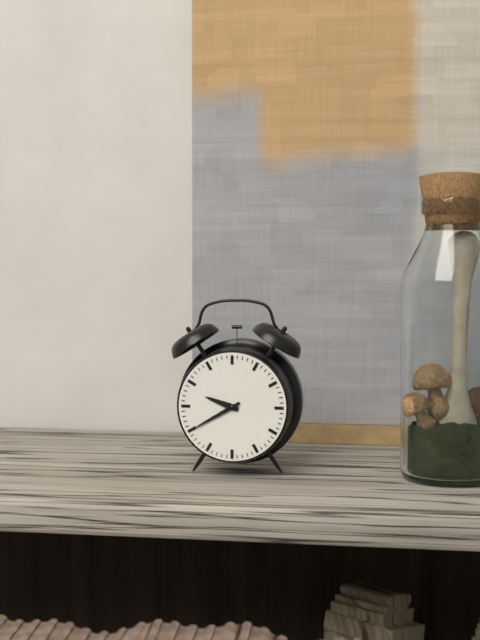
**9:40**
